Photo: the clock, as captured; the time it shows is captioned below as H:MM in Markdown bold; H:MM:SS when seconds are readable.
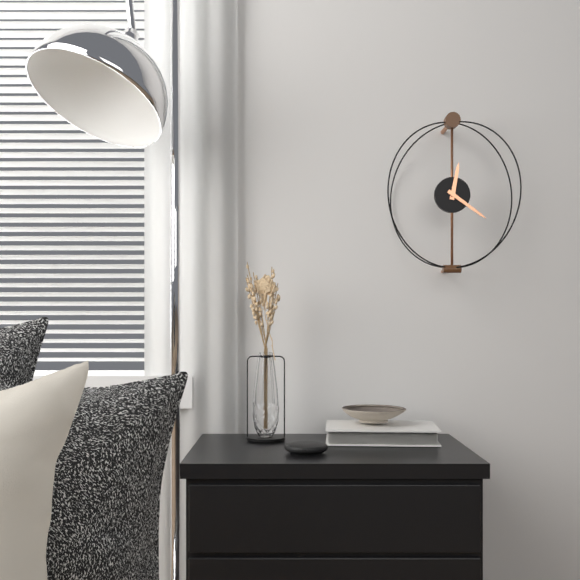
**12:21**
